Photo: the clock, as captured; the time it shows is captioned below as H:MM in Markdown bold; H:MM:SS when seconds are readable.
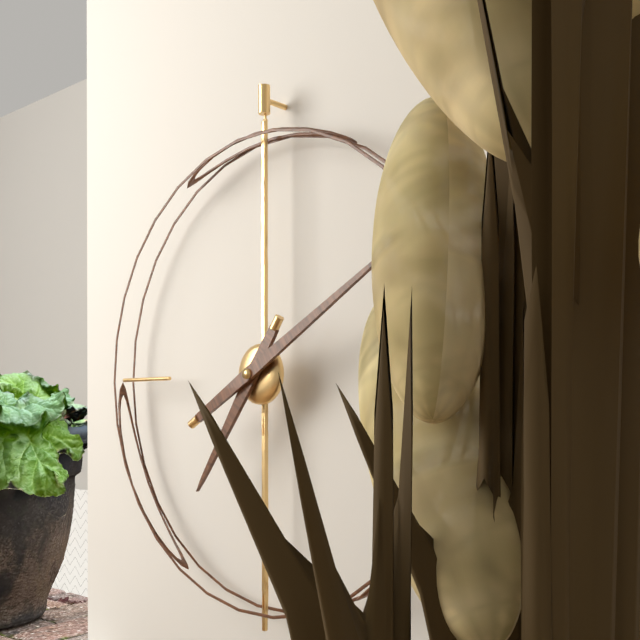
**7:10**
